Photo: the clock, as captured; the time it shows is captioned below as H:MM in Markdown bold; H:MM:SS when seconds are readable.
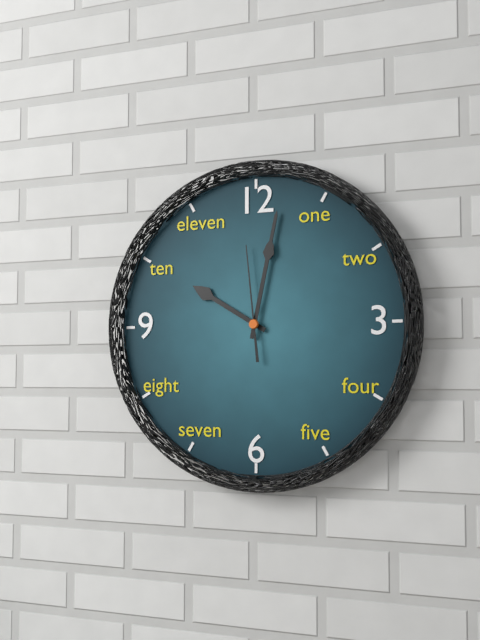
**10:02:59**
